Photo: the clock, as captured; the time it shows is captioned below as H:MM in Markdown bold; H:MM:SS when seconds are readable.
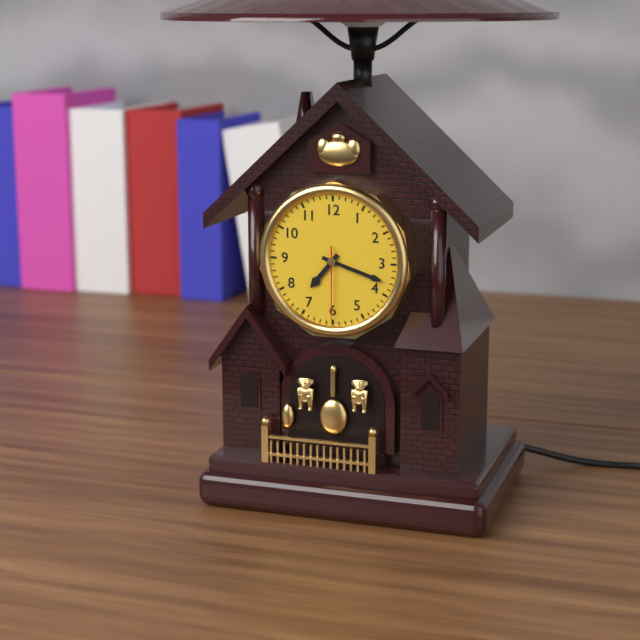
**7:18:30**
